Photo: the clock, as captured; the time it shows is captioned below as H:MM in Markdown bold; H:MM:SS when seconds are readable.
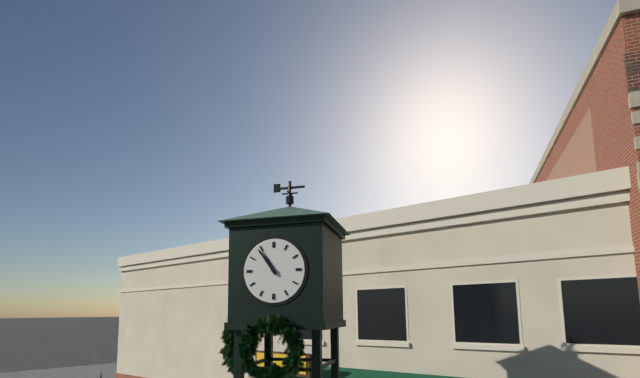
**10:54**
